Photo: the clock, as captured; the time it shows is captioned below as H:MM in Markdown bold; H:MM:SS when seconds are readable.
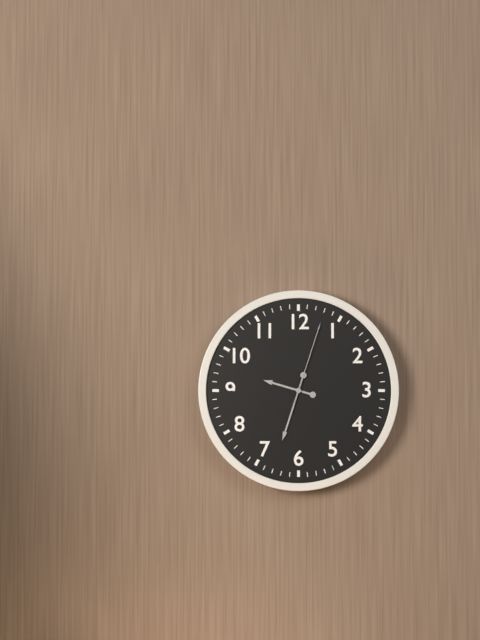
**9:33:03**
